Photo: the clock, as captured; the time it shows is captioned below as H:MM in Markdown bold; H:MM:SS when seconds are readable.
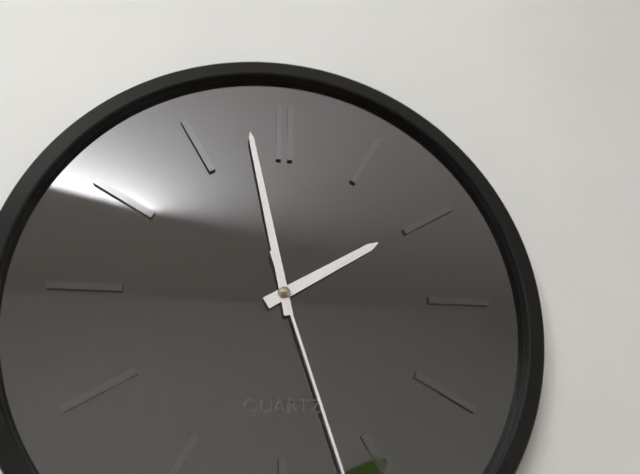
**1:58**
